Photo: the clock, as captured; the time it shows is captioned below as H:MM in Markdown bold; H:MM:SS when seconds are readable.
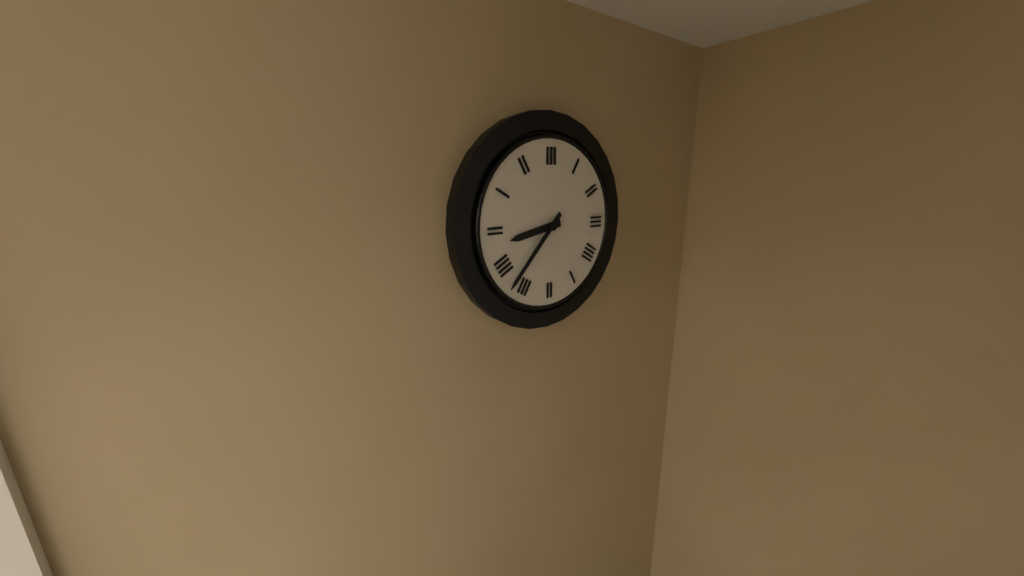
**8:37**
